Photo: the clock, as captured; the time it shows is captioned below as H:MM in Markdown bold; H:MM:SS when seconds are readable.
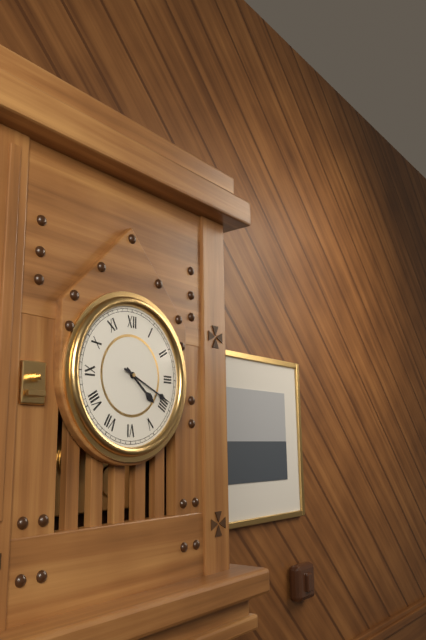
**4:19**
